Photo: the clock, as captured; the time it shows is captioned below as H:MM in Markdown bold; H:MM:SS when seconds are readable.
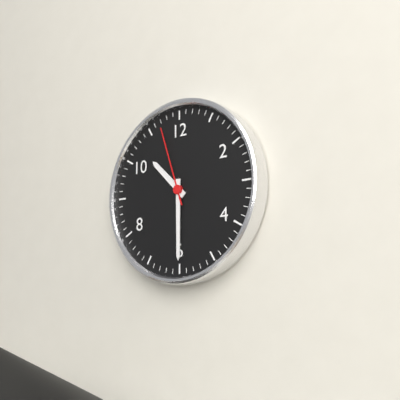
**10:30:57**
